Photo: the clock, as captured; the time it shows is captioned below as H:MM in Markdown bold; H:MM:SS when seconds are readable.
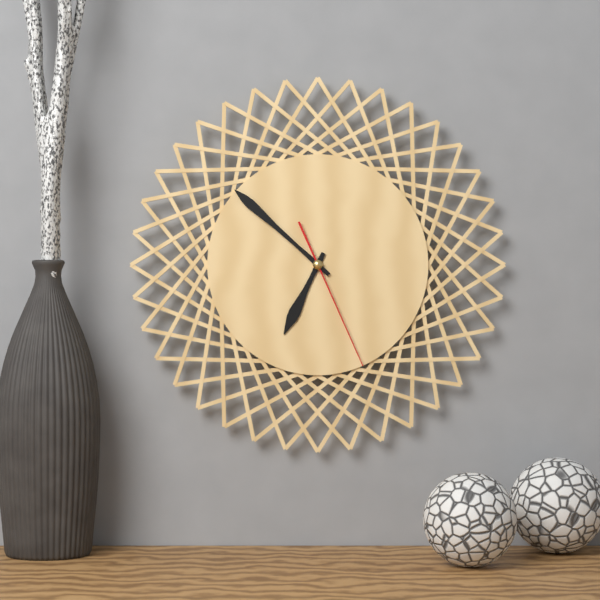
**6:52:26**
